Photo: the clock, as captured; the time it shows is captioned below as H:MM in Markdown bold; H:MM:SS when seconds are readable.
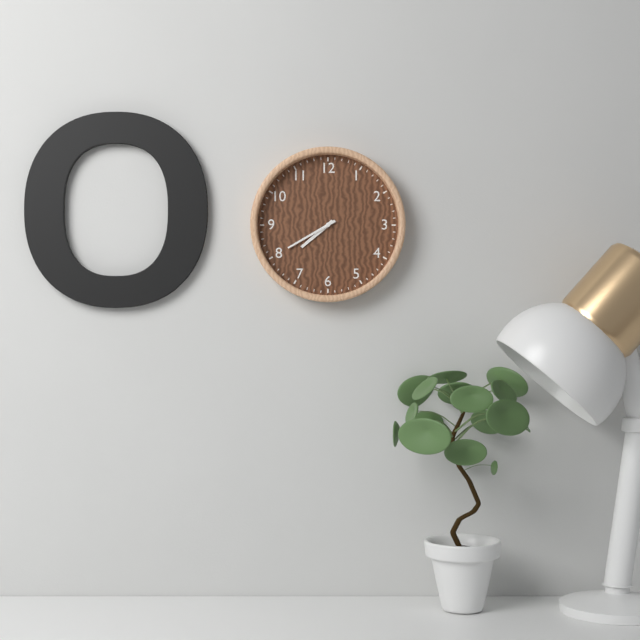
**7:40**
